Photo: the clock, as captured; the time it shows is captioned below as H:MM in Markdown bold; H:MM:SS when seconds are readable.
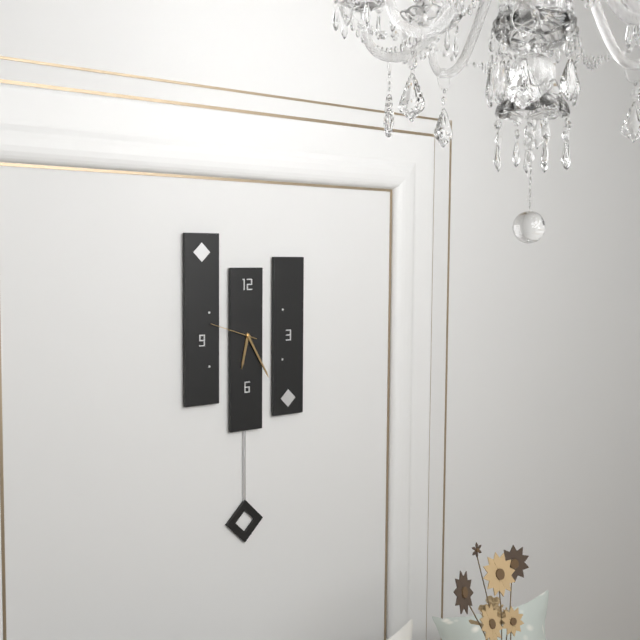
**6:25**
